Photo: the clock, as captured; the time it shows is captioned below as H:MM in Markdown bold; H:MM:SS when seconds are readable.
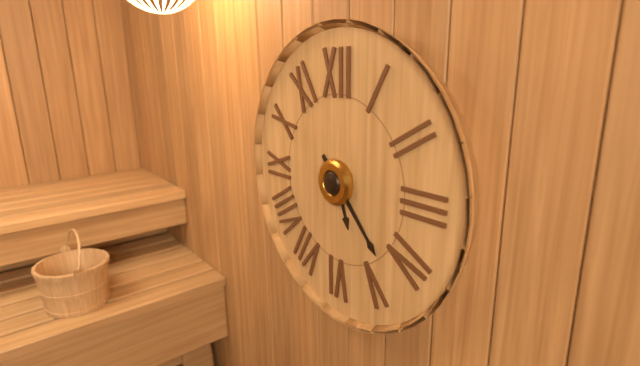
**5:23**
